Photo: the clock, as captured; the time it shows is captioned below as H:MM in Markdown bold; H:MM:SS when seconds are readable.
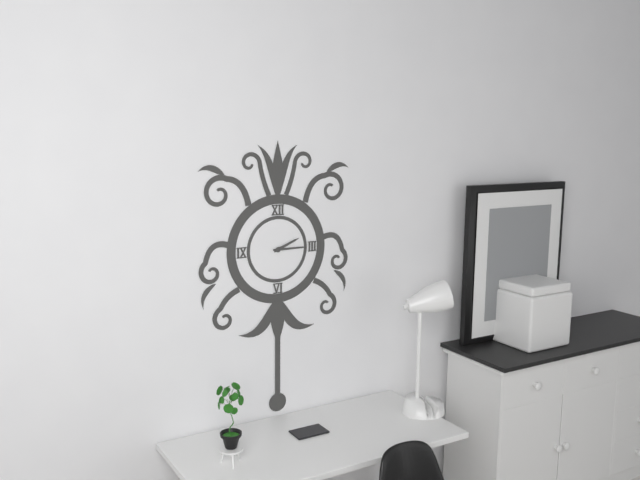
**2:15**
